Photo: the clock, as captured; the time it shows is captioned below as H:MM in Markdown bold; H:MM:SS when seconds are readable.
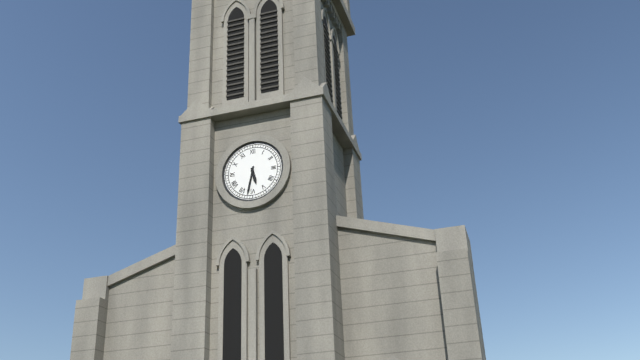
**5:32**
